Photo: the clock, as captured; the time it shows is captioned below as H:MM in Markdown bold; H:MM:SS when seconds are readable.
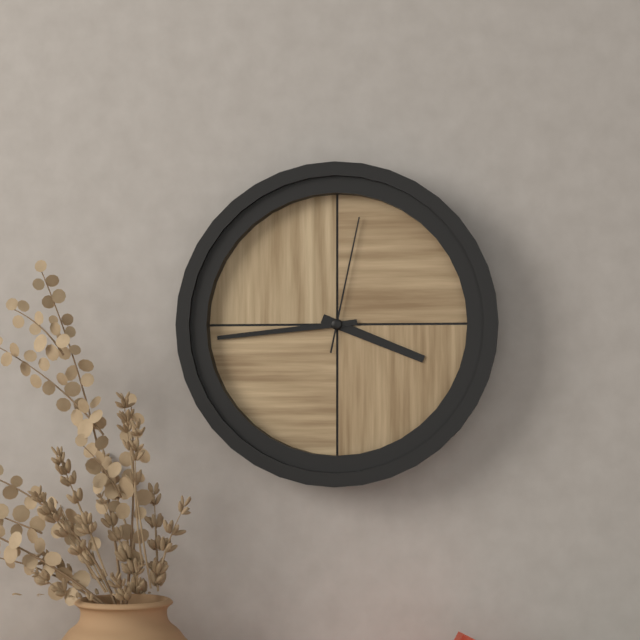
**3:44:02**
